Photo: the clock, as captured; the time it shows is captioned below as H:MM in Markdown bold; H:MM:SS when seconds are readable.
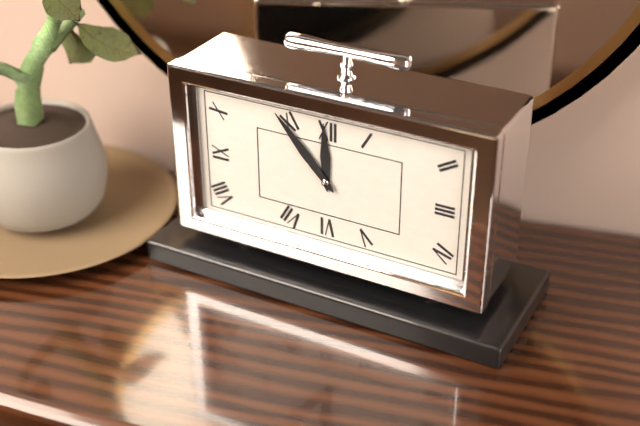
**11:53**
